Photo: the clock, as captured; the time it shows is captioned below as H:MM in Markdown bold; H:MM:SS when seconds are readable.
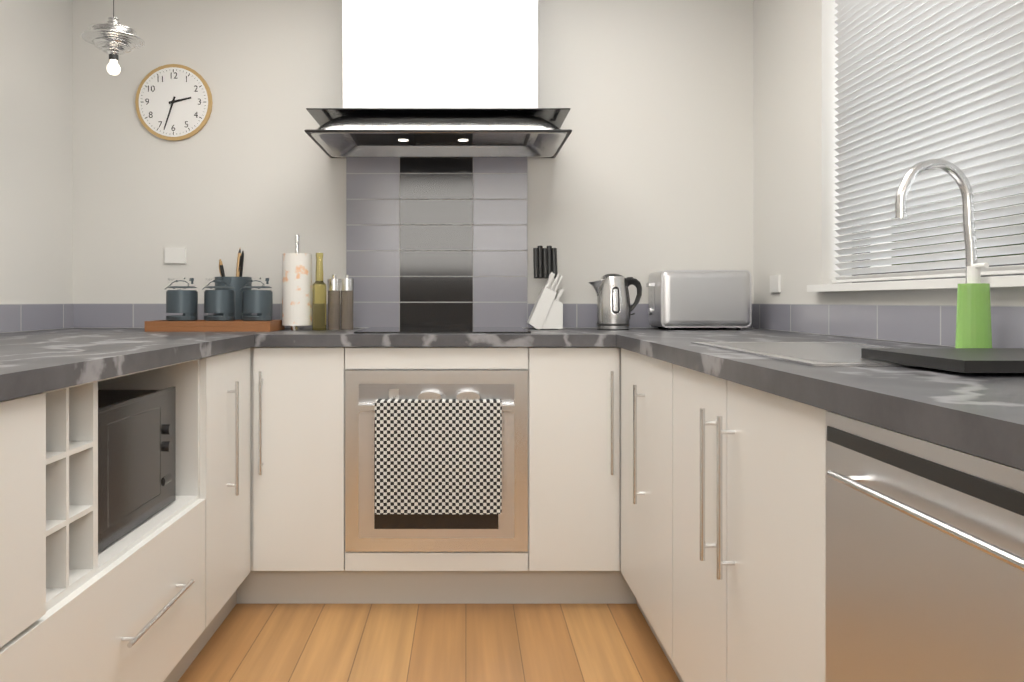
**2:33**
